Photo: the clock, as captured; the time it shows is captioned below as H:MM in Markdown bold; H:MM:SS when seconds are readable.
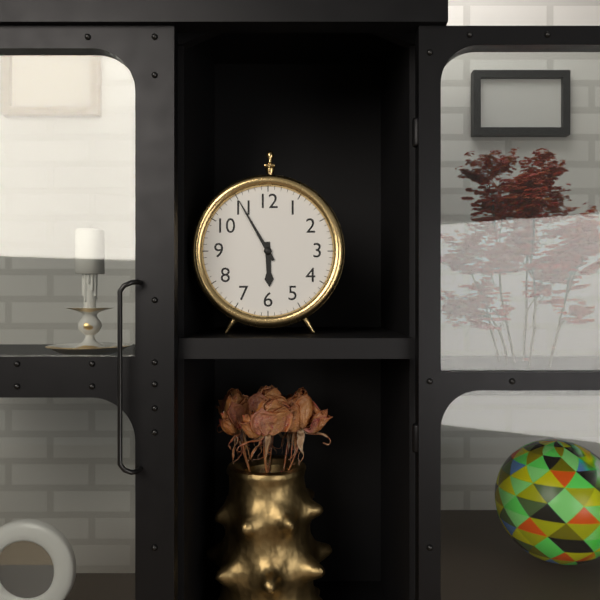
**5:55**
